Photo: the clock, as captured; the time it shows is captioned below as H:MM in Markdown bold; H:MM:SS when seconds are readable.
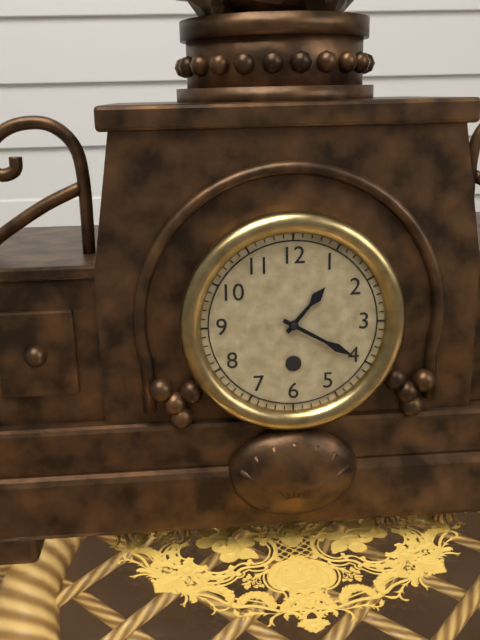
**1:20**
